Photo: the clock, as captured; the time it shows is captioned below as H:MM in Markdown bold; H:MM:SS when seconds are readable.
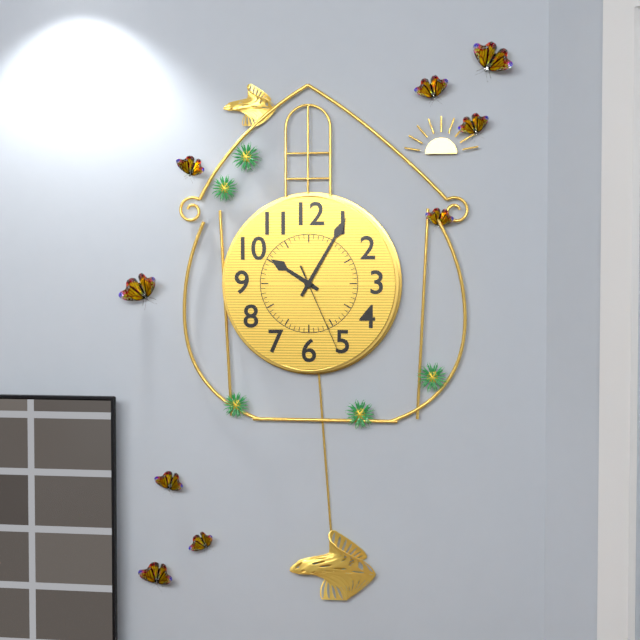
**10:05:26**
